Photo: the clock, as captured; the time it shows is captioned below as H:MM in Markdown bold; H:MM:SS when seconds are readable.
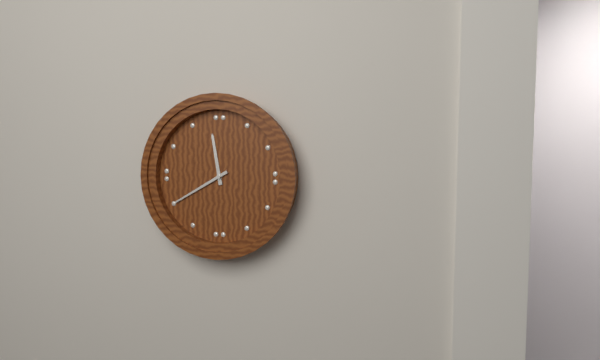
**11:40**
